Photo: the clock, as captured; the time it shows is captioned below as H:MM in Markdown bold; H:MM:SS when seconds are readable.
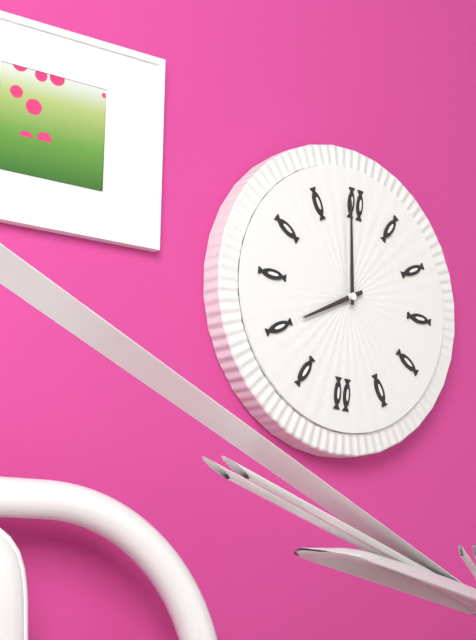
**7:59**
